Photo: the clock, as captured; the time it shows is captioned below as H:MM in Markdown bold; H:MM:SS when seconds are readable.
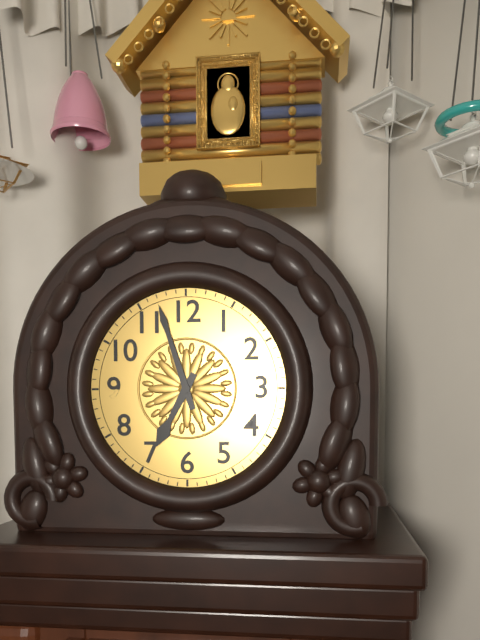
**6:57**
